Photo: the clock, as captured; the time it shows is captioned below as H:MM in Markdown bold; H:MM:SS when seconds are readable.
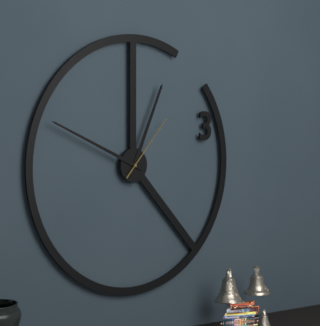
**12:49:07**
